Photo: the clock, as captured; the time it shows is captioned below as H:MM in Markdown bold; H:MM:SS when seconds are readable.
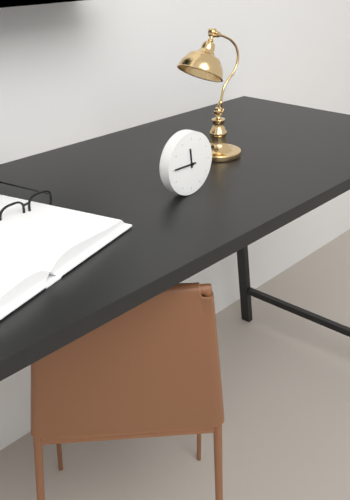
**11:45**
